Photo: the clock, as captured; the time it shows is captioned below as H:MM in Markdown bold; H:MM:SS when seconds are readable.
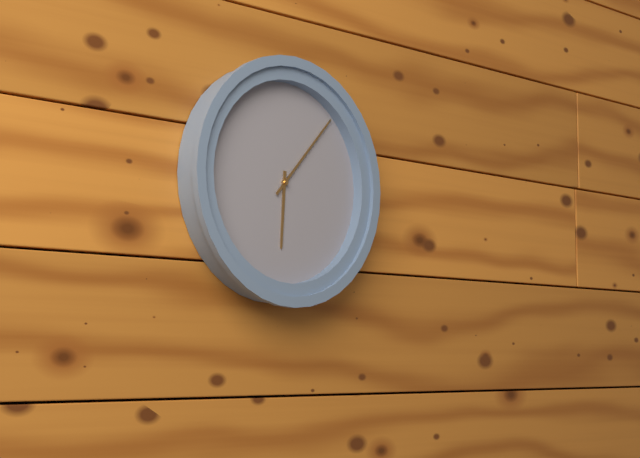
**6:07**
